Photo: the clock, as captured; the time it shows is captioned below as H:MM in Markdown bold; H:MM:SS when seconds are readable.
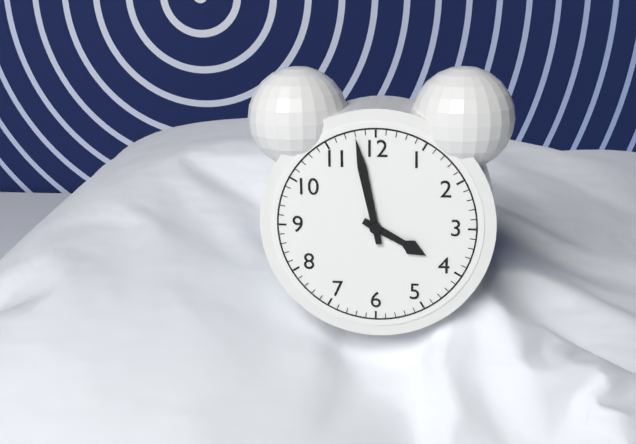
**3:58**
